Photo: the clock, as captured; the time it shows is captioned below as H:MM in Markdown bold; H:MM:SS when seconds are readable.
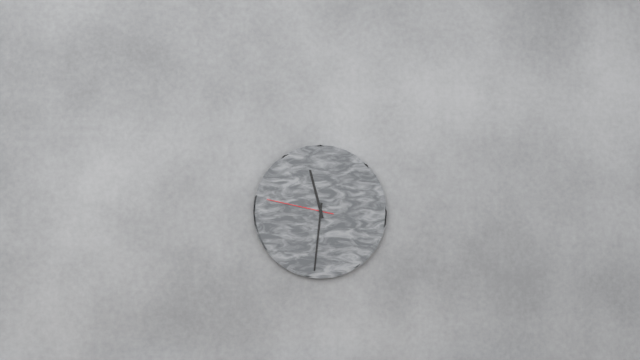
**11:31:47**
